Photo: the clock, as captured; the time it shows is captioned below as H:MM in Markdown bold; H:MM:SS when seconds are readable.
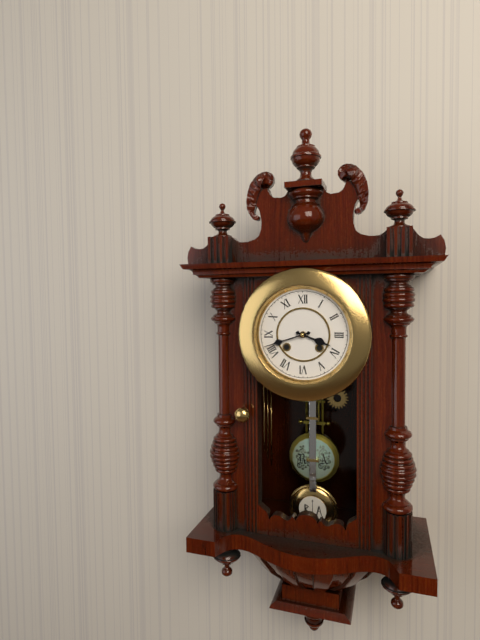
**3:42**
